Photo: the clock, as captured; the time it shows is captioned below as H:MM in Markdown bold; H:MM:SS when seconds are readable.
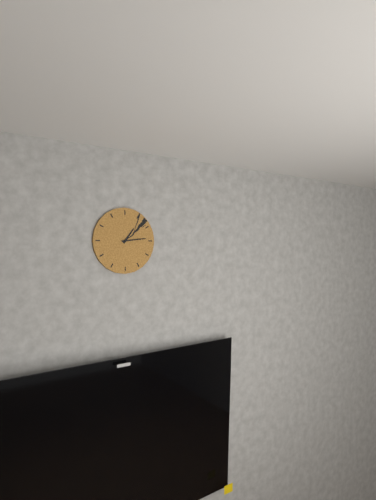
**1:14**
